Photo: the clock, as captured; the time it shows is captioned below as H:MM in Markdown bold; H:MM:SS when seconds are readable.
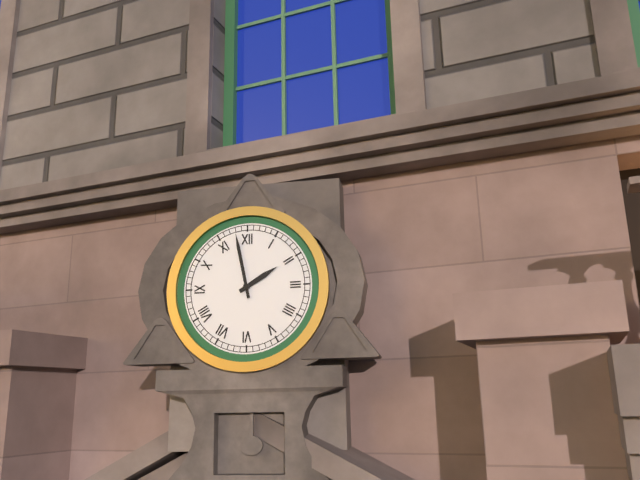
**1:58**
